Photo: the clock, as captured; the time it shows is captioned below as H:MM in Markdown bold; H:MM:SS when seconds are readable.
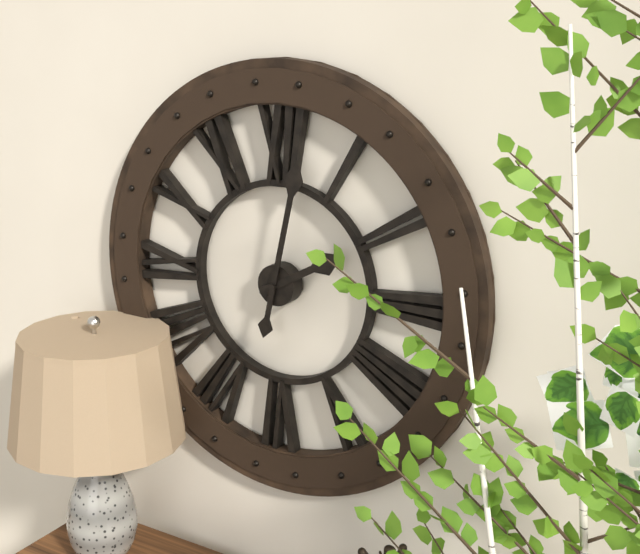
**2:02**
